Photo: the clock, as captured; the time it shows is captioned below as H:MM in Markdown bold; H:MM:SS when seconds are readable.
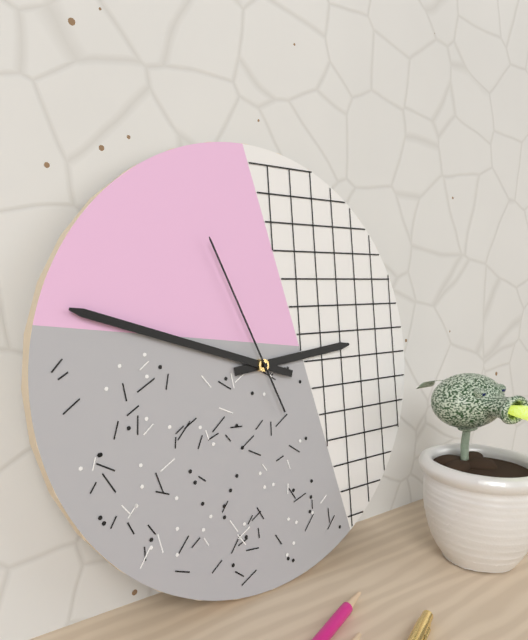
**2:48:56**
